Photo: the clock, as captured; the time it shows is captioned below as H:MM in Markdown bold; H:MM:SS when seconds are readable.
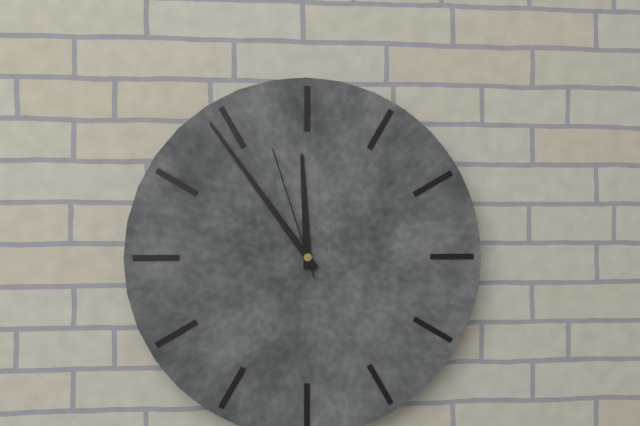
**11:54:57**
